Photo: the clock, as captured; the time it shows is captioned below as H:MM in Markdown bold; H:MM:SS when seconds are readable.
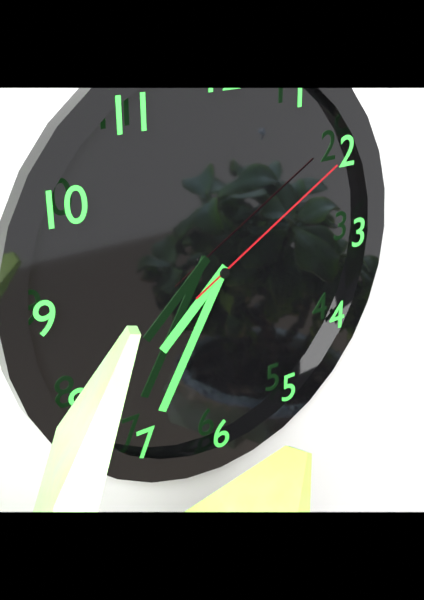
**7:35:10**
